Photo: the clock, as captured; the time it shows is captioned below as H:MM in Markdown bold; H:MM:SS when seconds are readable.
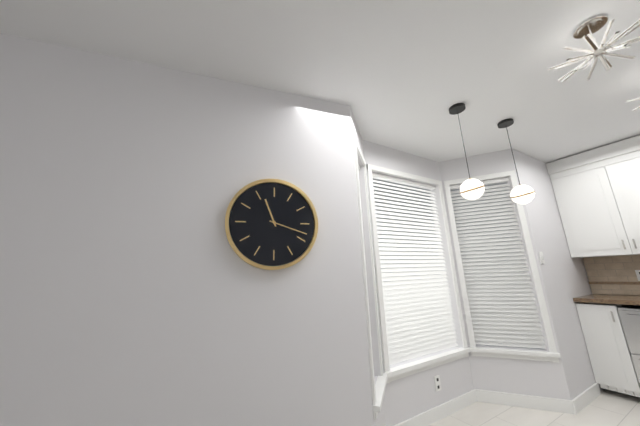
**11:18**
